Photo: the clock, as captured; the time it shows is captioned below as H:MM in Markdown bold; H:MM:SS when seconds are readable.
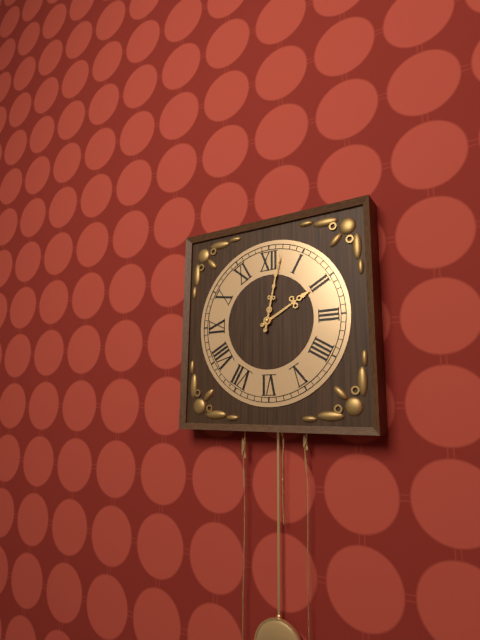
**2:02**
